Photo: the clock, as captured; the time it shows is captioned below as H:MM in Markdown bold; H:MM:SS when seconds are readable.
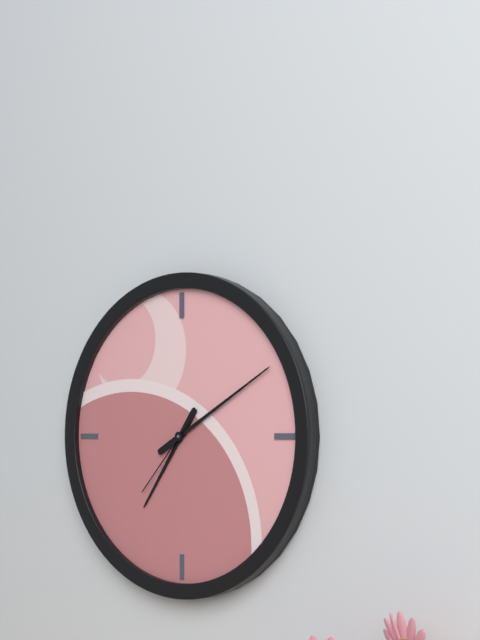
**7:10:37**
